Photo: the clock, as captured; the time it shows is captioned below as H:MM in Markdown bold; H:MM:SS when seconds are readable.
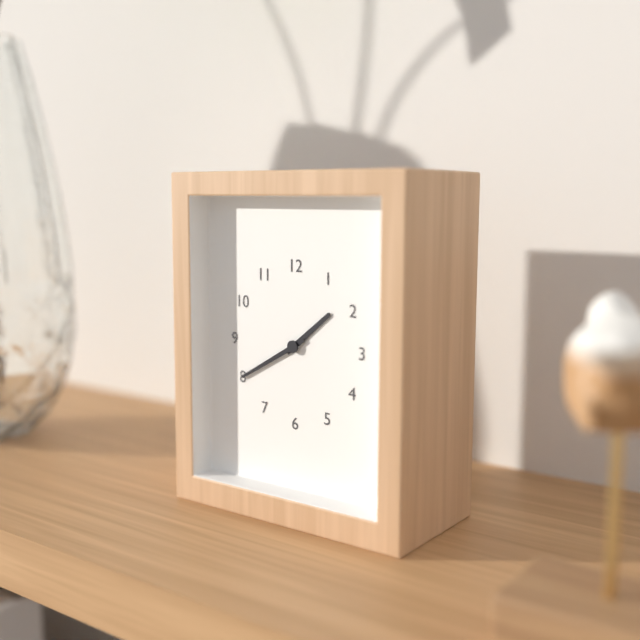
**1:40**
